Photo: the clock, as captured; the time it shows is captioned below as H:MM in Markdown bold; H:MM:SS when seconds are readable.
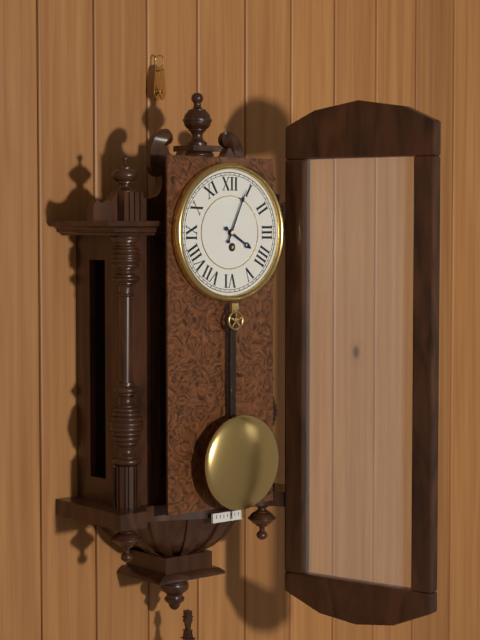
**4:04**
